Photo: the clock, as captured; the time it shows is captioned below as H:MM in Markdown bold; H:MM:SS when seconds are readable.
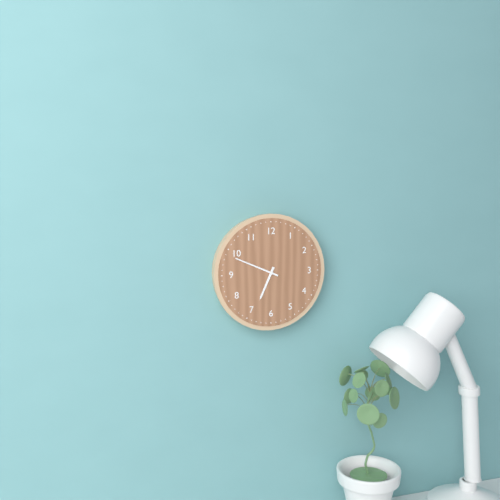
**6:49**
